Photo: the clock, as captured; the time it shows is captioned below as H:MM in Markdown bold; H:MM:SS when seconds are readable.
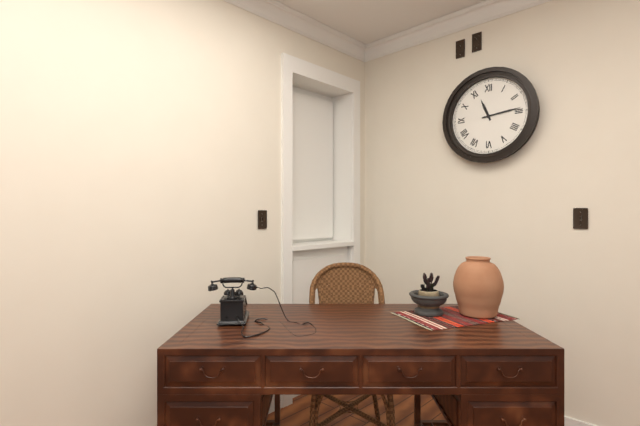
**11:14**
